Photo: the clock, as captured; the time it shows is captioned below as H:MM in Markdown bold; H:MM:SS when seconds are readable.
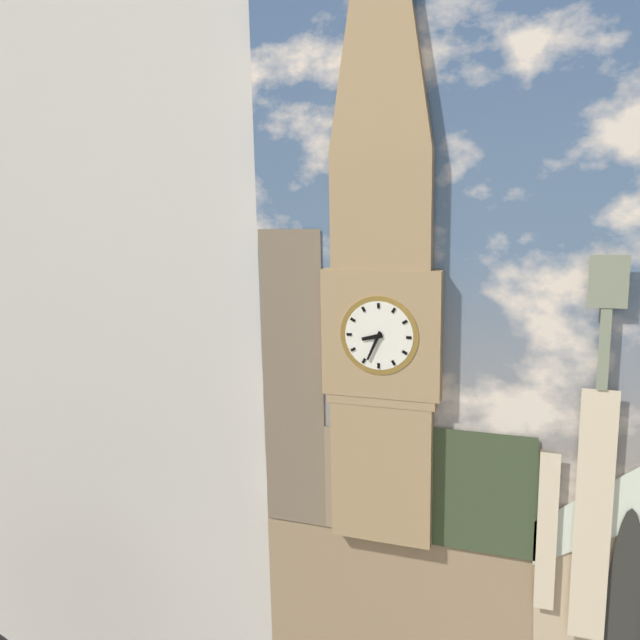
**8:34**
